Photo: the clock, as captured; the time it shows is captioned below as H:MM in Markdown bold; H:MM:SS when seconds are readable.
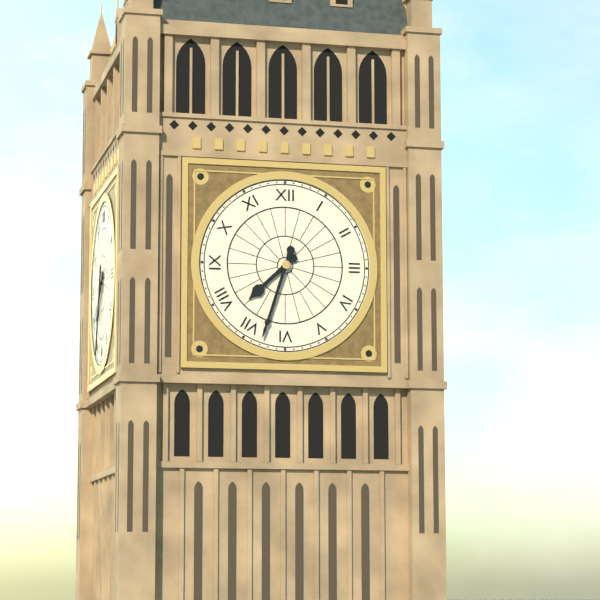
**7:33**
